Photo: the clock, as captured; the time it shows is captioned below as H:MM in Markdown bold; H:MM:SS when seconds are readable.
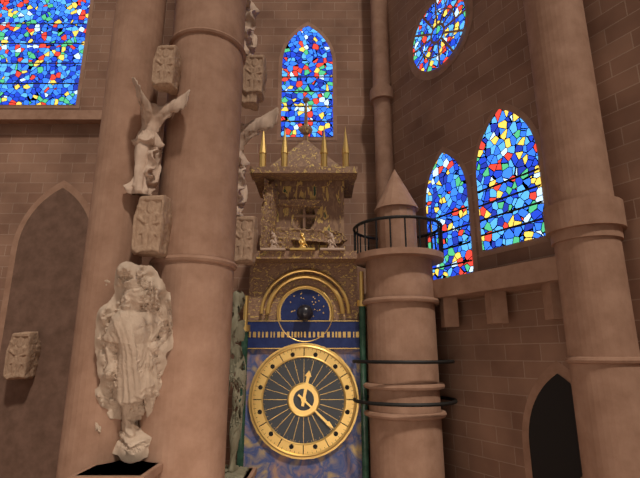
**12:22**
